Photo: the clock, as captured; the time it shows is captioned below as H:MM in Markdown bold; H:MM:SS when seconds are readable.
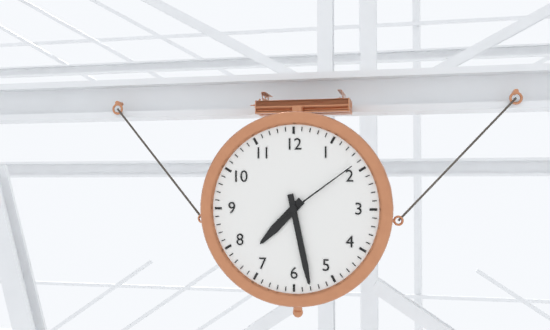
**7:28:09**
